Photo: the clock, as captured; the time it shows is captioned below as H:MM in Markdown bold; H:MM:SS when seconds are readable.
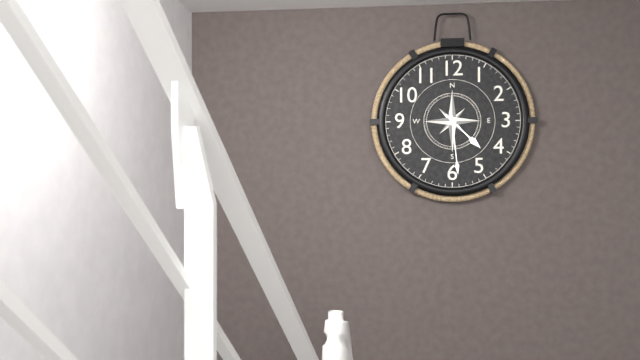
**4:29**
